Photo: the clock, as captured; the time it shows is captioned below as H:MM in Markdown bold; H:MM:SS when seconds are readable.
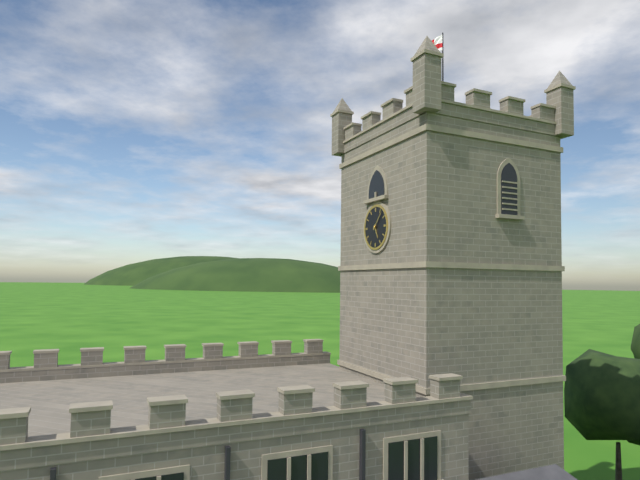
**5:07**
